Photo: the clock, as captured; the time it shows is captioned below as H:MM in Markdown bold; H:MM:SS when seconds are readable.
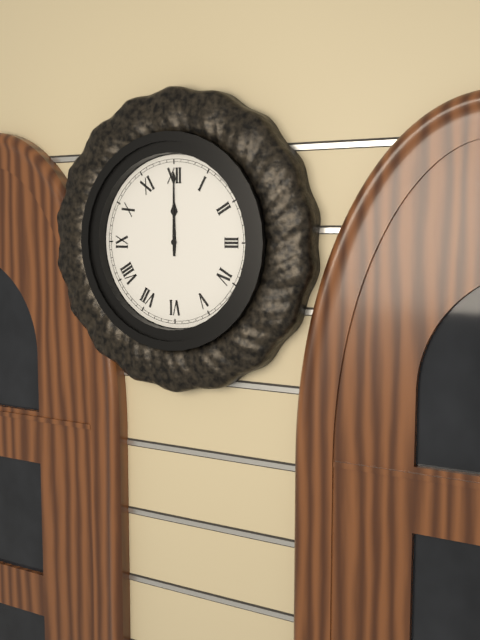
**12:00**
